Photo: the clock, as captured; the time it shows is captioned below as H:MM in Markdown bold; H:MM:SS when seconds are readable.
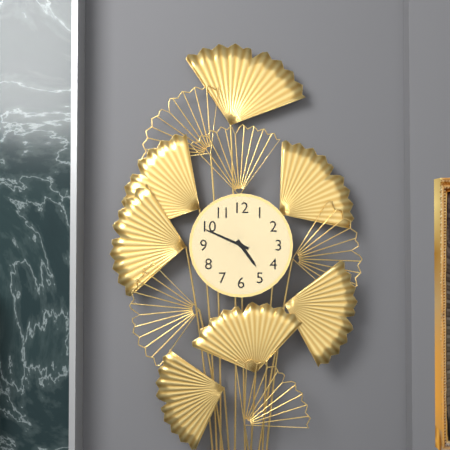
**4:49**
